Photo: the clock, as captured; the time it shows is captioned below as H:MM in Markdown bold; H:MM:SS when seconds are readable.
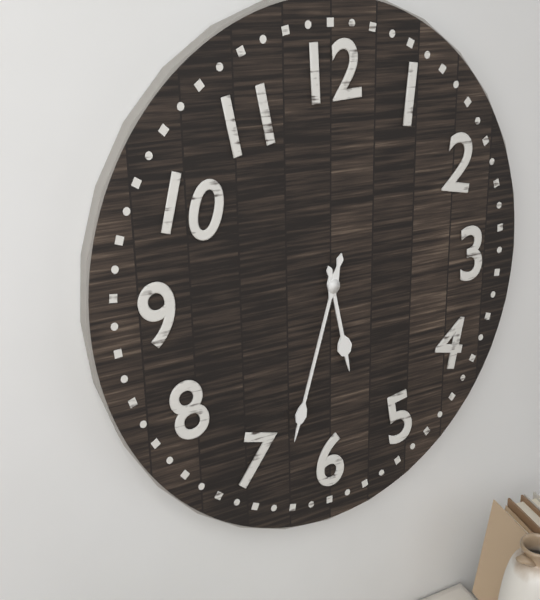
**5:33**
